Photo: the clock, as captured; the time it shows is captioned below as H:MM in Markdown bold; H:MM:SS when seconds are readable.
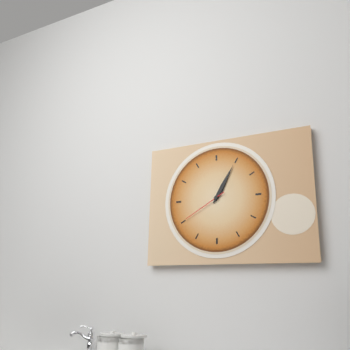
**1:05**
